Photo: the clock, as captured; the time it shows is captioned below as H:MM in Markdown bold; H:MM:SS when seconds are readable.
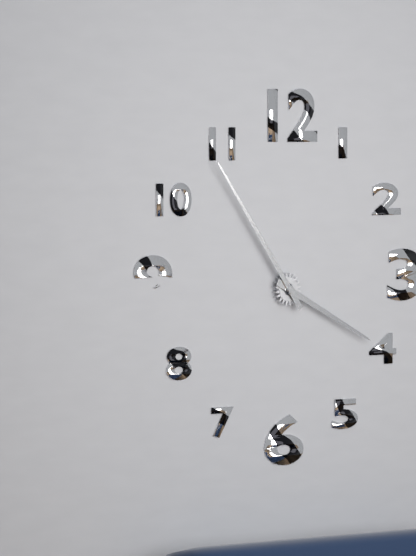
**3:54**
